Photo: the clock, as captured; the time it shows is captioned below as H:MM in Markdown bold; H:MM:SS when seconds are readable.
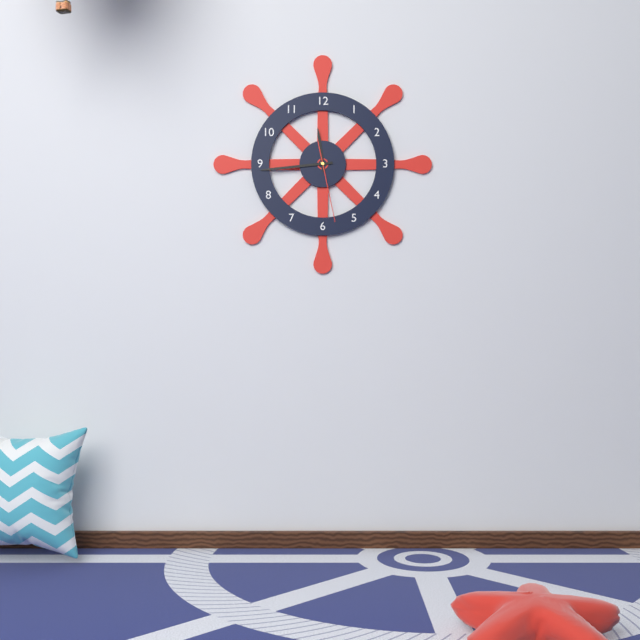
**11:44:28**
